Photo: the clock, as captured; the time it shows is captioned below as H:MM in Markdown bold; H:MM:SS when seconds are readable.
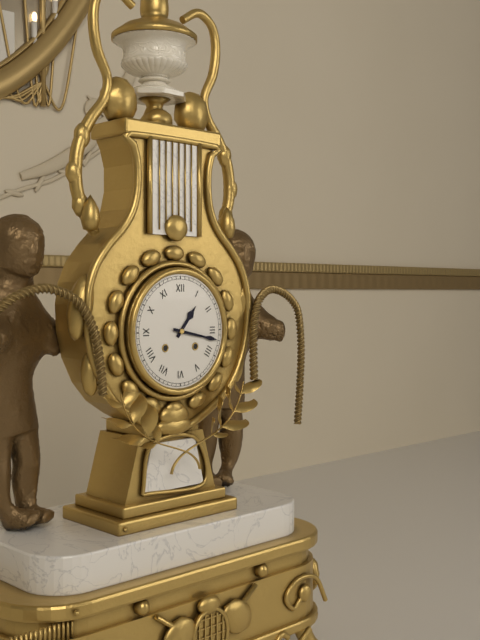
**1:17**
